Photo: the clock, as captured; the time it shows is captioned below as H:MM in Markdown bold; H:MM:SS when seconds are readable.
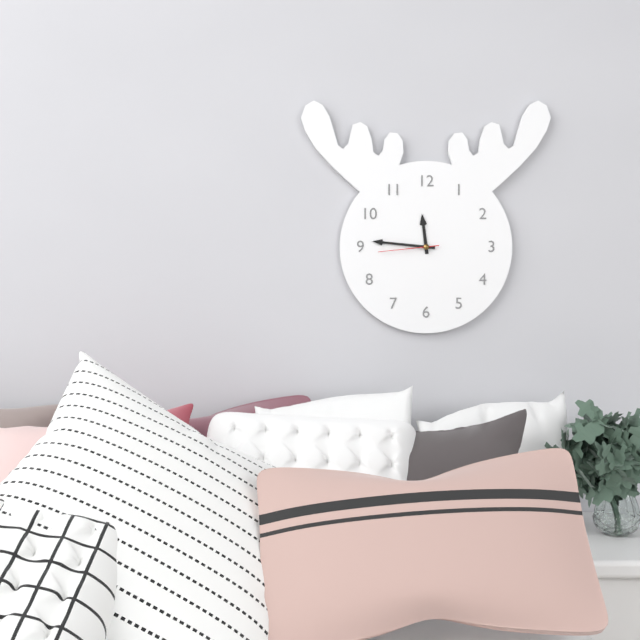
**11:46:44**
